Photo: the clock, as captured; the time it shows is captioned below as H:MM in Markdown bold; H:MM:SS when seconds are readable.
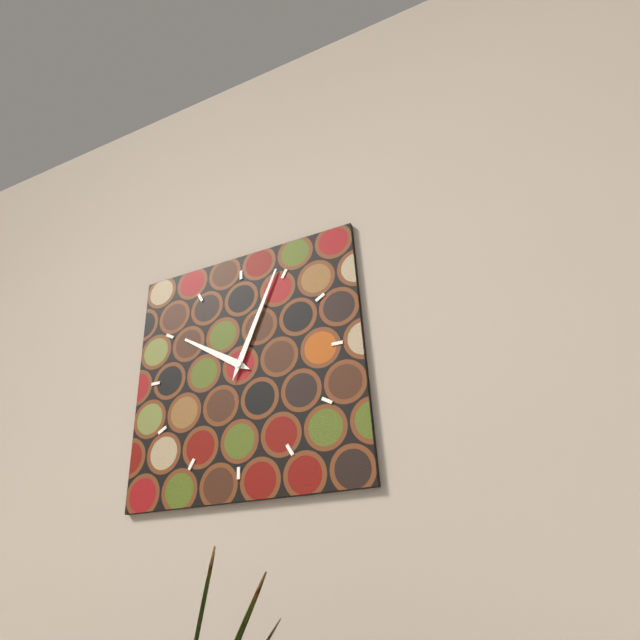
**10:04**
